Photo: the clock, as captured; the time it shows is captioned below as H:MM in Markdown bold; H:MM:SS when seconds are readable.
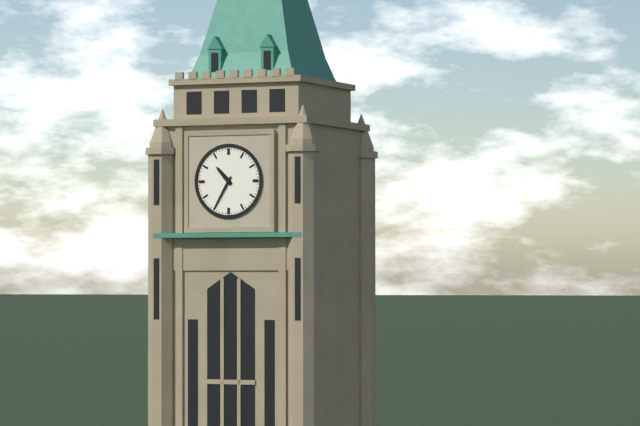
**10:35**
